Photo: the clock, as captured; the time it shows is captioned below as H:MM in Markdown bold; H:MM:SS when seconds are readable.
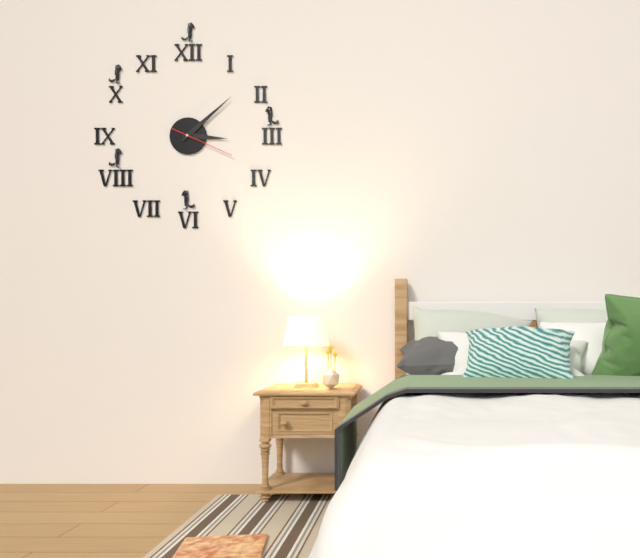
**3:08:19**
